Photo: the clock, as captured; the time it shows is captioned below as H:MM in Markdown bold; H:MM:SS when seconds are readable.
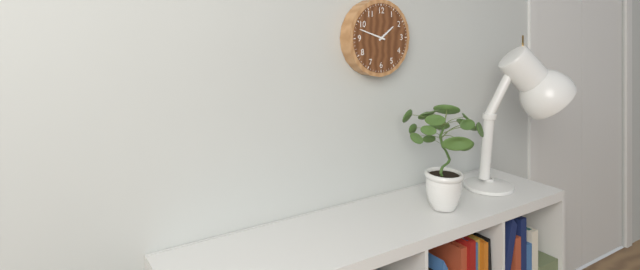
**1:48**
